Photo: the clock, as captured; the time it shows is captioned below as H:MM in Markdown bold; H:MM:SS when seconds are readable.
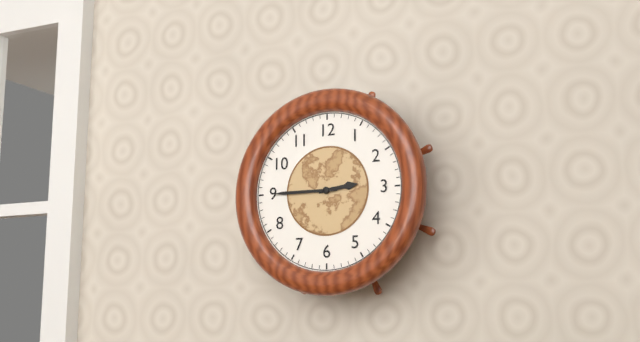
**2:45**
